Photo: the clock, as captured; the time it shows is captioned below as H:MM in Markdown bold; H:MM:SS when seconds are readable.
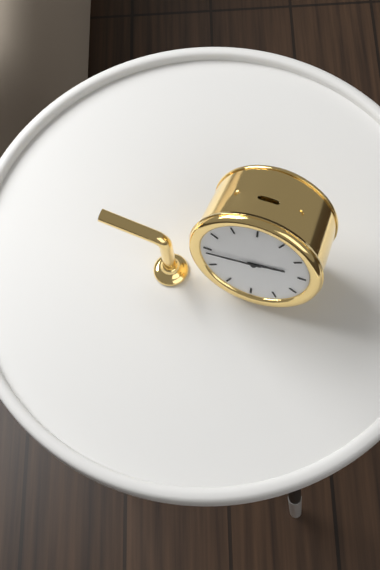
**2:44**
